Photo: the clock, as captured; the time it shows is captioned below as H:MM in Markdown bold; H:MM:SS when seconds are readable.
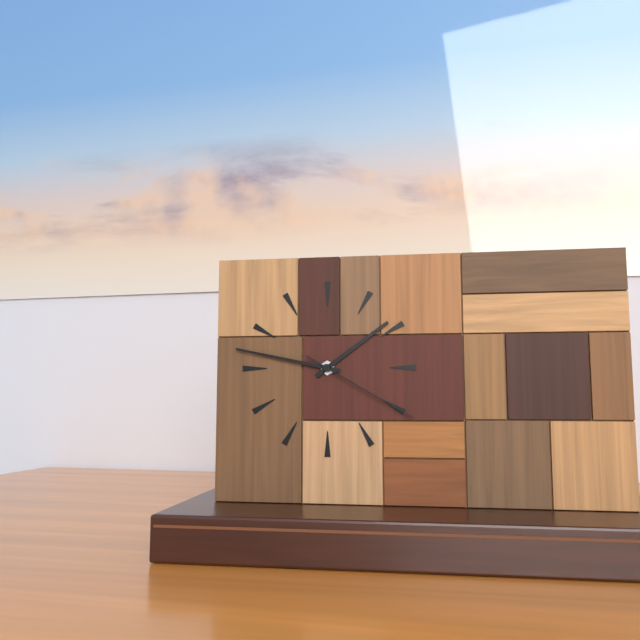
**1:47:20**
